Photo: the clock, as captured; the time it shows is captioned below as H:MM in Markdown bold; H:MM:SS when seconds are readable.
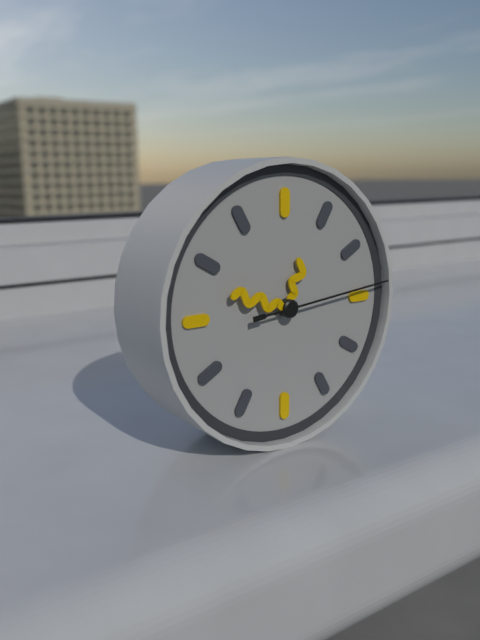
**12:48:14**
